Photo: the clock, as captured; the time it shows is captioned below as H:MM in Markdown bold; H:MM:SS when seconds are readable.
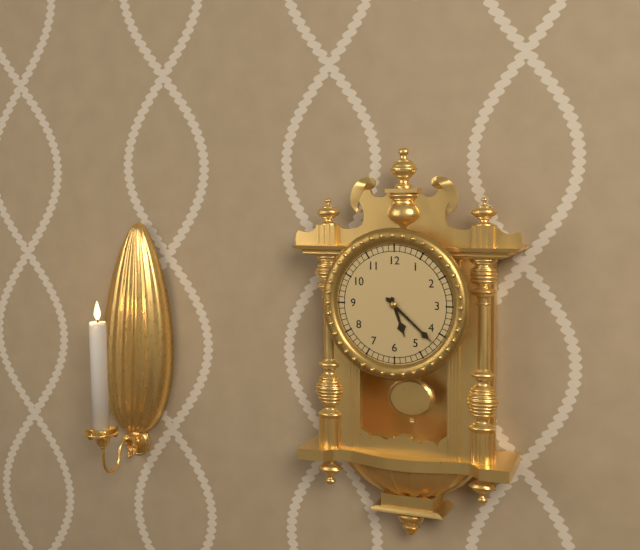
**5:22**
